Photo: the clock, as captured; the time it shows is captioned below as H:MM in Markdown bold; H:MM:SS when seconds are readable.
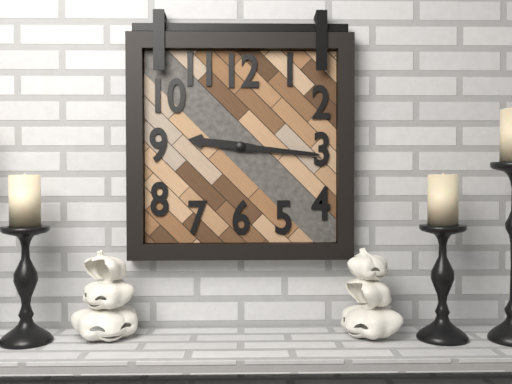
**9:16**
